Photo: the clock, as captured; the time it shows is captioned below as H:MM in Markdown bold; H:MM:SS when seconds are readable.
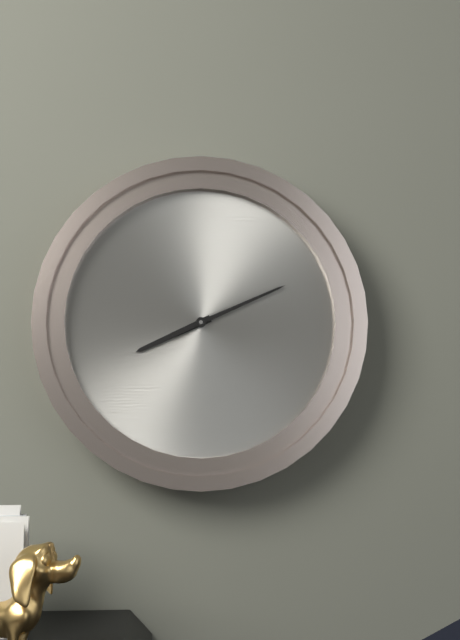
**8:11**
